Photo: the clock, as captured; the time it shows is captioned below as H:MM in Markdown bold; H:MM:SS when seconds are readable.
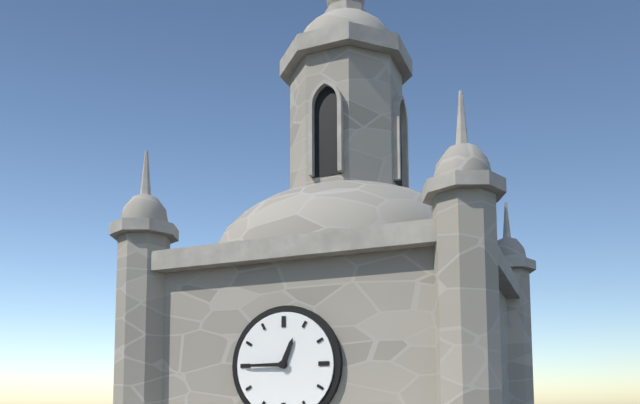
**12:45**
